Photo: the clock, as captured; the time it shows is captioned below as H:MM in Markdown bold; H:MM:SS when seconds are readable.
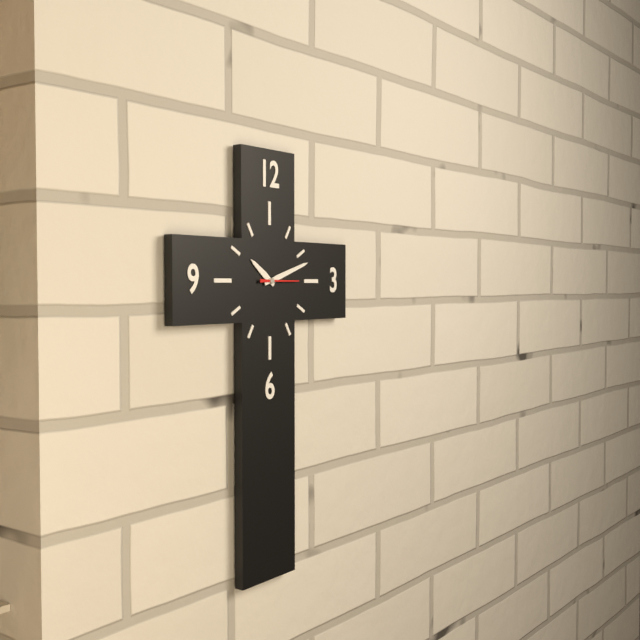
**10:12**
